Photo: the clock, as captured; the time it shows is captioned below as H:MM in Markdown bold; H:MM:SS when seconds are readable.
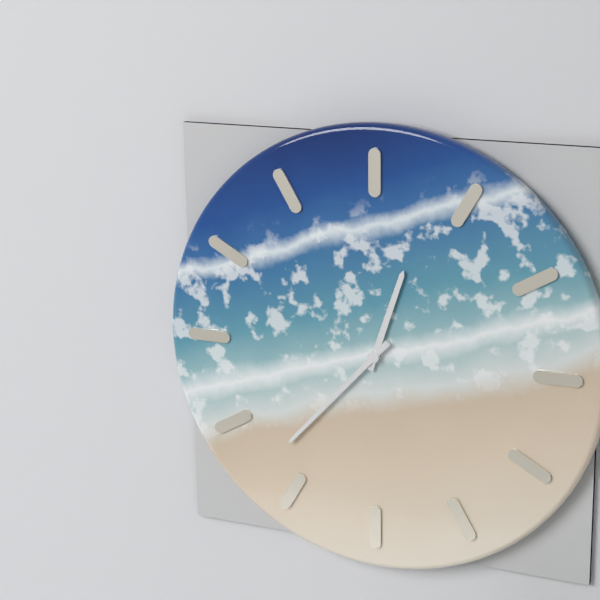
**12:37**
